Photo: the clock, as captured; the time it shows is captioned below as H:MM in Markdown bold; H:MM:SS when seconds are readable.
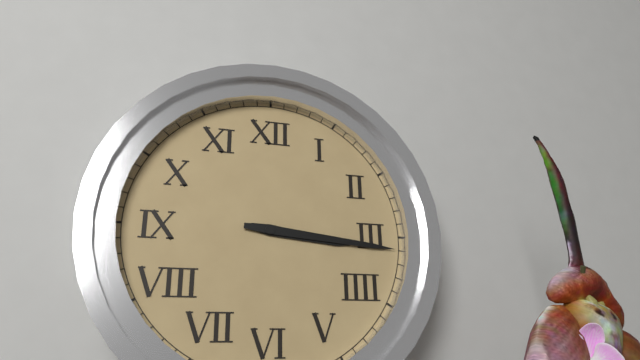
**3:16**
